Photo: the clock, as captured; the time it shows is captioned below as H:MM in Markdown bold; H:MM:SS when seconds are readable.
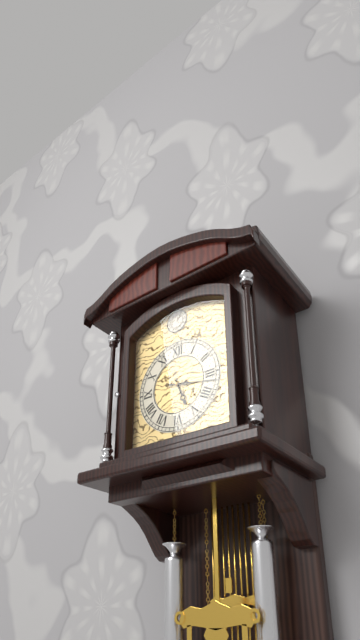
**5:17**
